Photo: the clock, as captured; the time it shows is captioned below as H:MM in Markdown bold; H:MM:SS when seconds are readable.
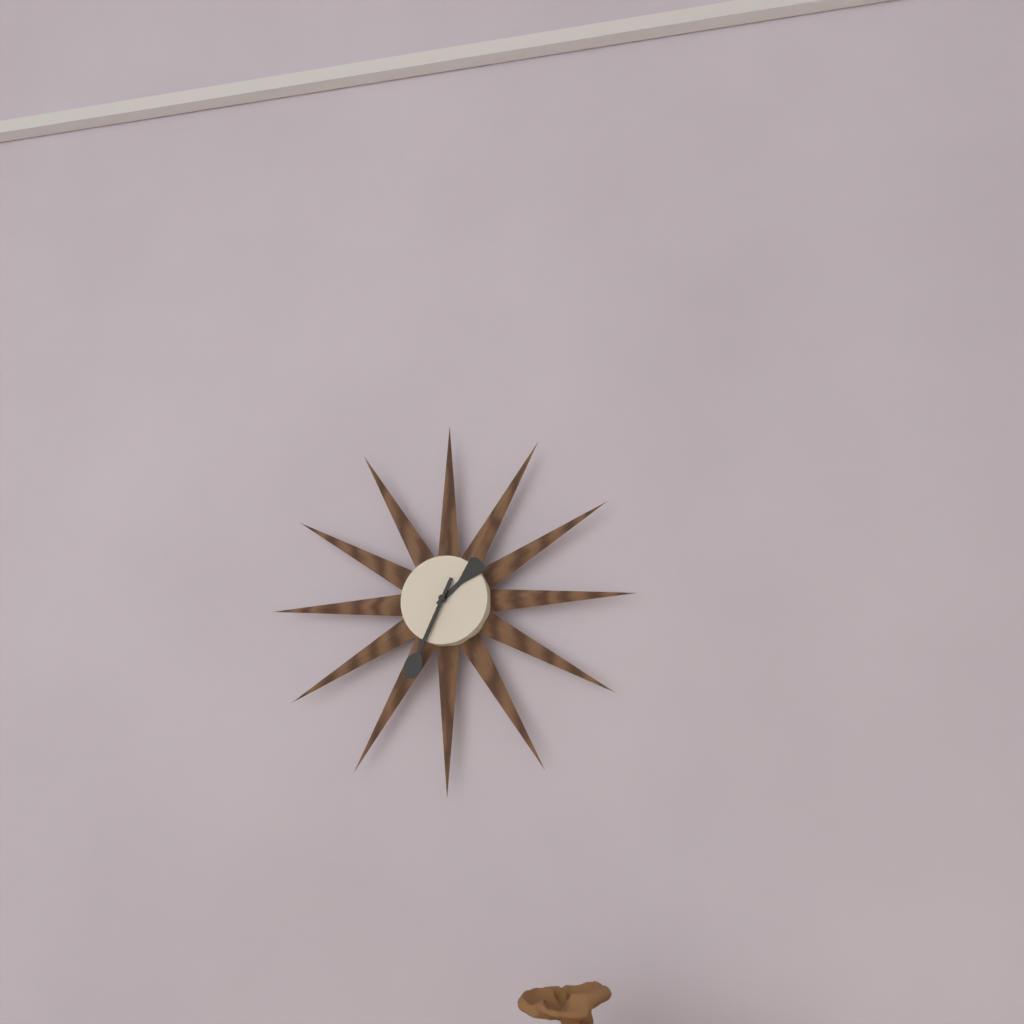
**1:34**
